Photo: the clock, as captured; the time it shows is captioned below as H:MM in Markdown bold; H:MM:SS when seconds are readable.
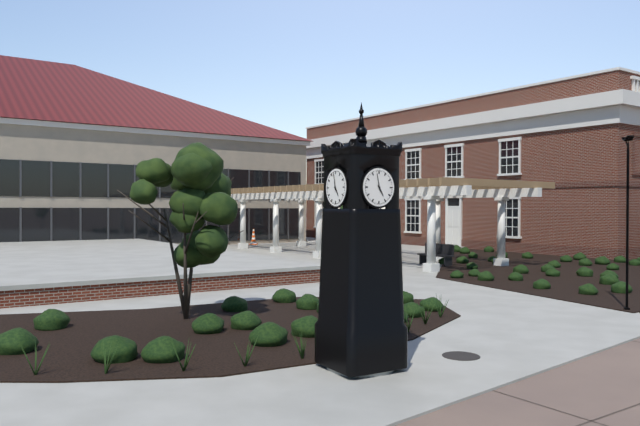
**4:58**
